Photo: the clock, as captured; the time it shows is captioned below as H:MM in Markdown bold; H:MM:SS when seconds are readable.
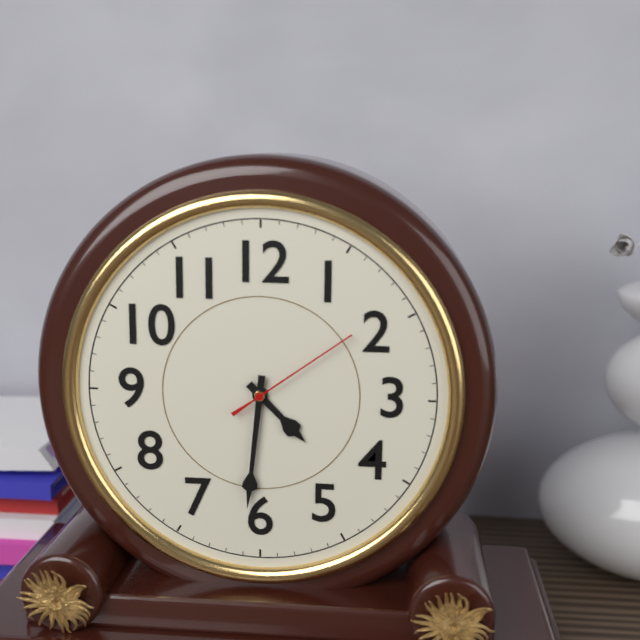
**4:31:09**
